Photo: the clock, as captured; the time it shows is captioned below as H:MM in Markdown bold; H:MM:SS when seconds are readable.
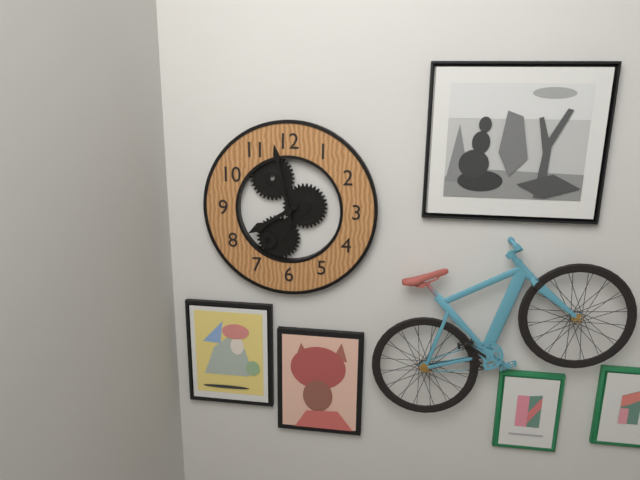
**7:58**
